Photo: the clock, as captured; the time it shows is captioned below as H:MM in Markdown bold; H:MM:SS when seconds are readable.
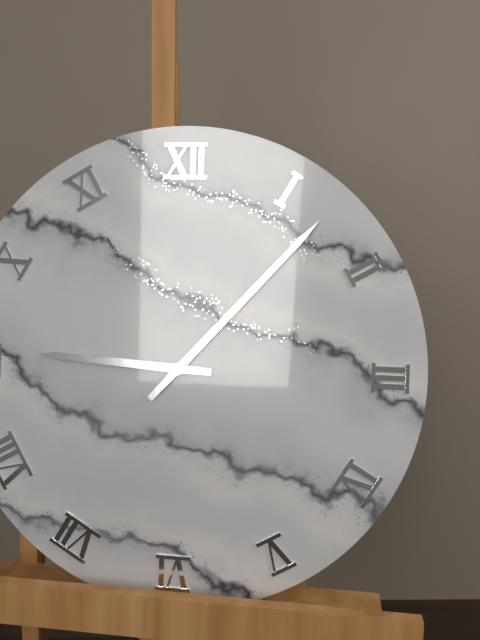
**9:07**
